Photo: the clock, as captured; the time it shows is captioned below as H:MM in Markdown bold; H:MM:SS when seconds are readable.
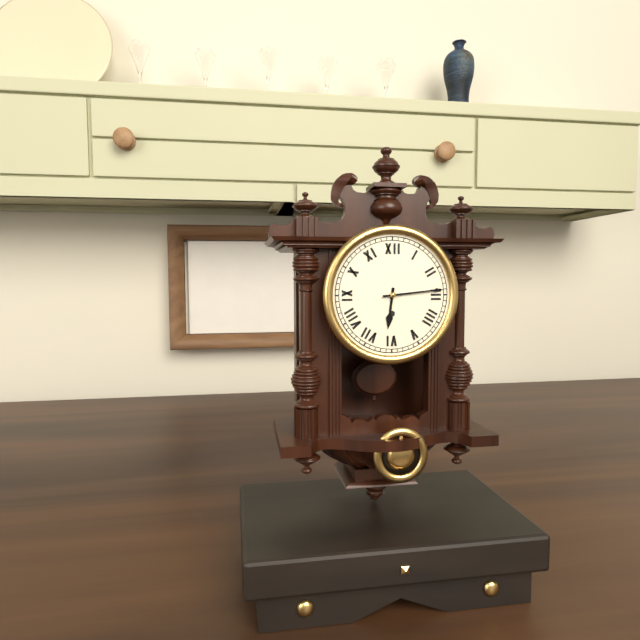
**6:14**
